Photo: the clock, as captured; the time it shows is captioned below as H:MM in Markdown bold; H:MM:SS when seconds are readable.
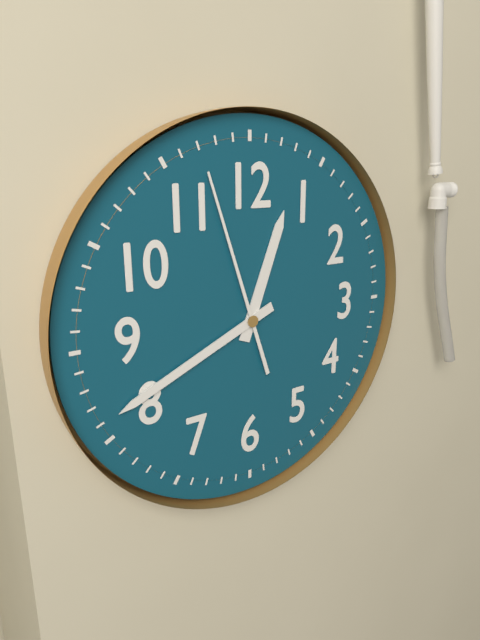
**12:41:57**
